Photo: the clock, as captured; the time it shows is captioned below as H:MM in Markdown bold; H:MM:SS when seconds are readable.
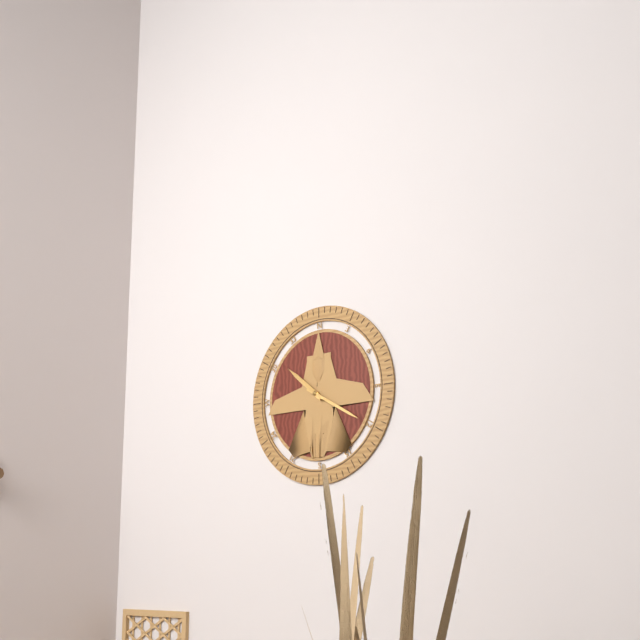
**10:20**
